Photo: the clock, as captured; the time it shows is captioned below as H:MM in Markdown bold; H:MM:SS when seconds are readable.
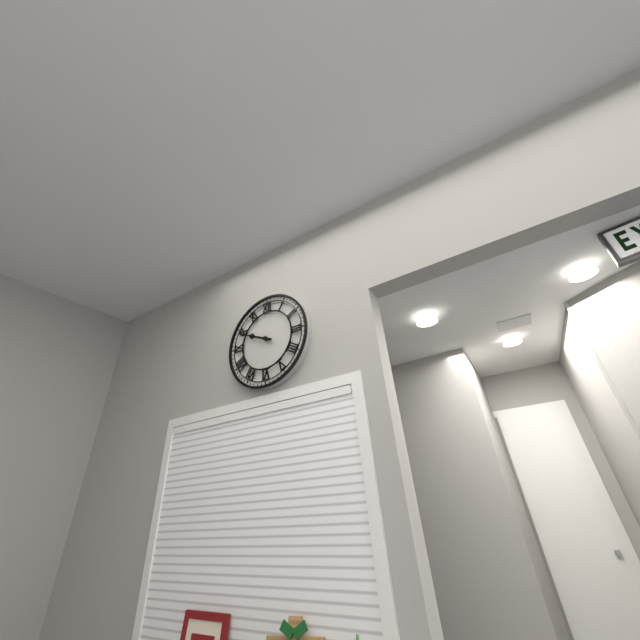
**9:49**
